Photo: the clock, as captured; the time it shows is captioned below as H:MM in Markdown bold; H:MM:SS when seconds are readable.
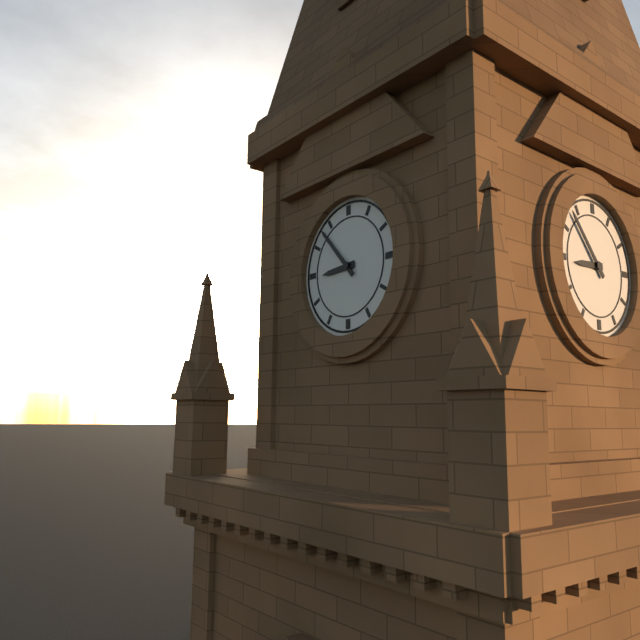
**8:53**
